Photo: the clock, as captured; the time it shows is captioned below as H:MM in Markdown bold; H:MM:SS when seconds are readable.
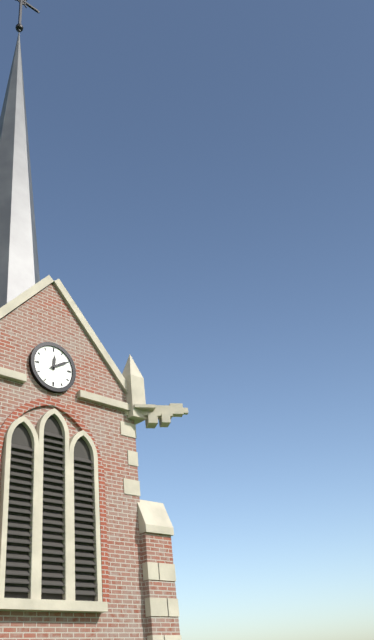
**12:10**
